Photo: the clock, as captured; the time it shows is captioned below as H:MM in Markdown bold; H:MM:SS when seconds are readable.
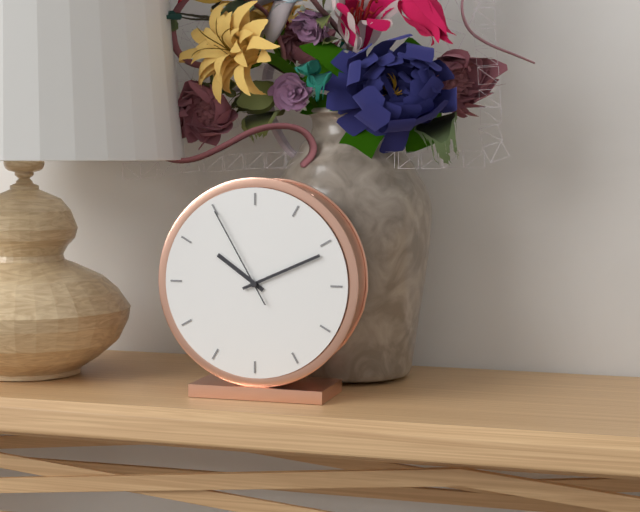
**10:11:55**
